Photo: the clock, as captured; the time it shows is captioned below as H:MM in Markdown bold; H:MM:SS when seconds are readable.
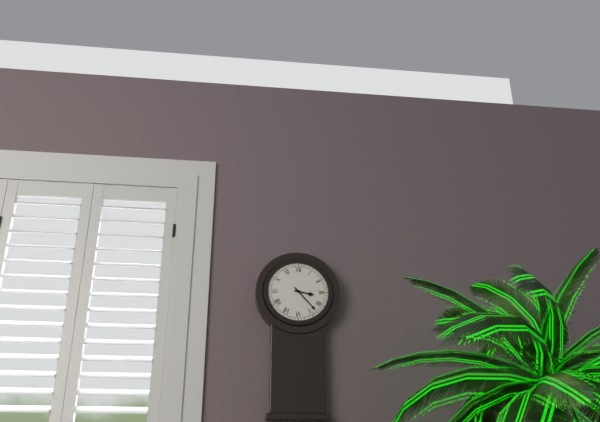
**3:23**
